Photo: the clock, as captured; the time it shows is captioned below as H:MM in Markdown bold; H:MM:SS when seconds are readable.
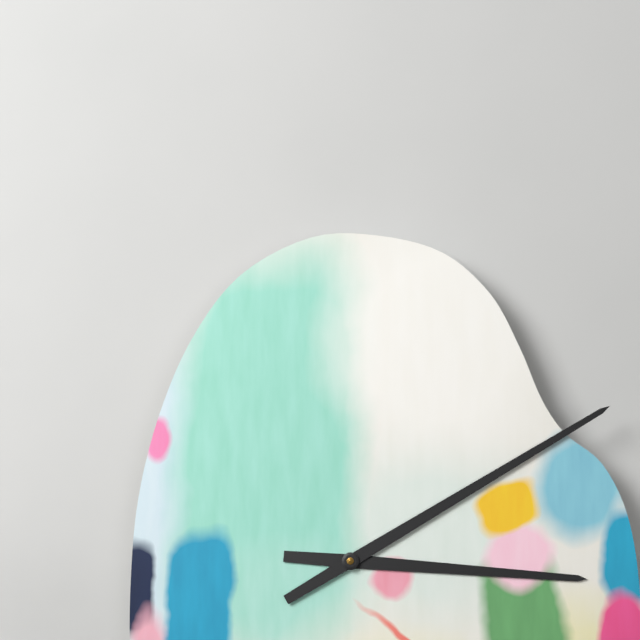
**3:10**
